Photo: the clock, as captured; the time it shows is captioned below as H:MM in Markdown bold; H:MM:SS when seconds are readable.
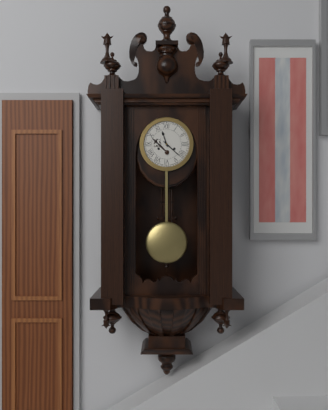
**11:22**
